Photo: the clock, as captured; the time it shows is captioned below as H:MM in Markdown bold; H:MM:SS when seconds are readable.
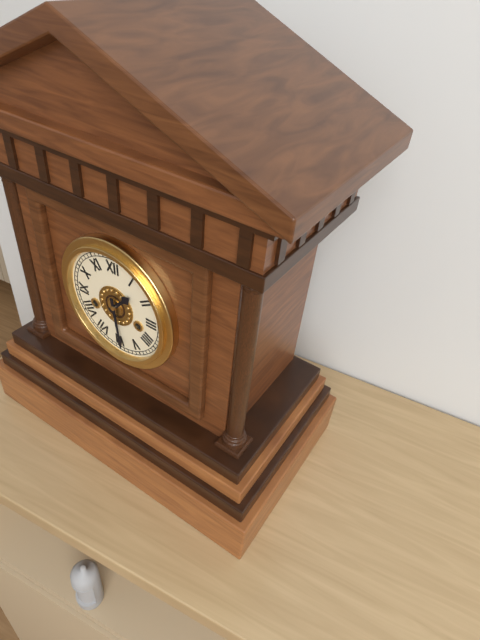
**1:29**
